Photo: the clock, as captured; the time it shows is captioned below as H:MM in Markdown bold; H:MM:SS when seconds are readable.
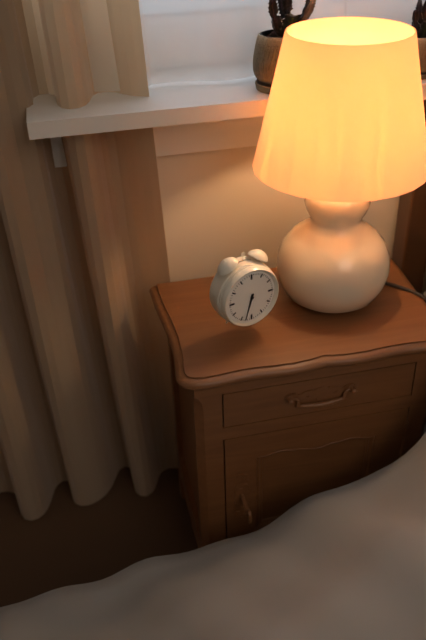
**6:33**
